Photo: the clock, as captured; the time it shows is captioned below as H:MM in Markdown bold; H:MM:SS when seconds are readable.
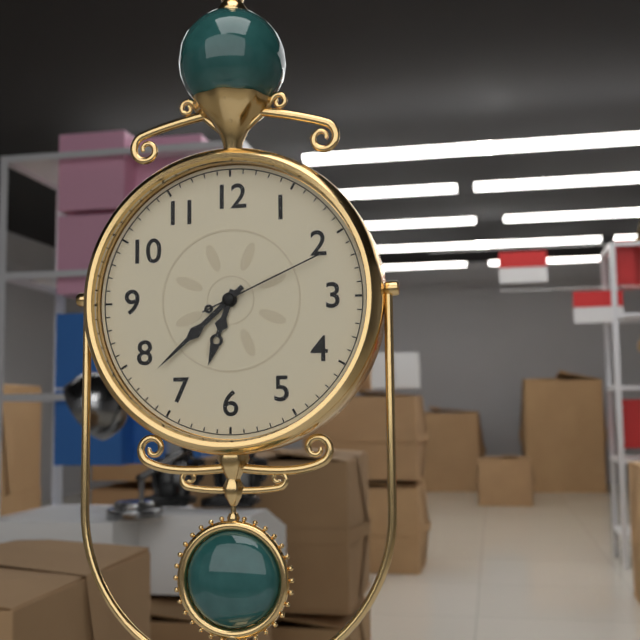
**6:38:11**
